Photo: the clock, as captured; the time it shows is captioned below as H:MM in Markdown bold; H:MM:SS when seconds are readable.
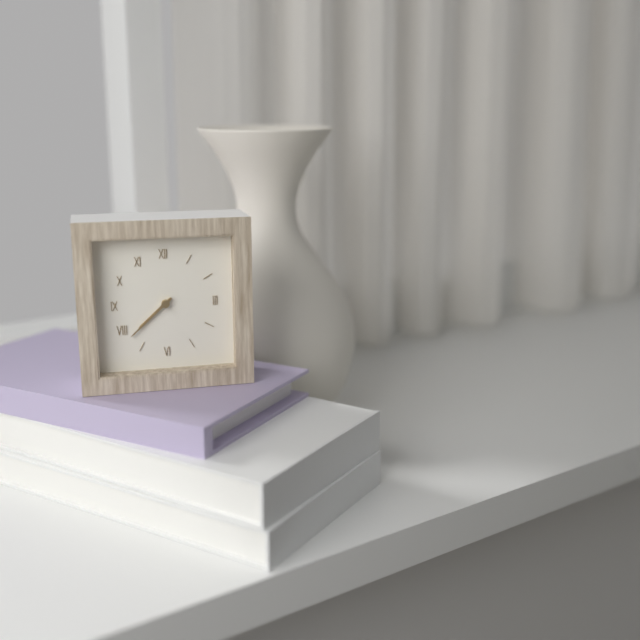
**7:38**
